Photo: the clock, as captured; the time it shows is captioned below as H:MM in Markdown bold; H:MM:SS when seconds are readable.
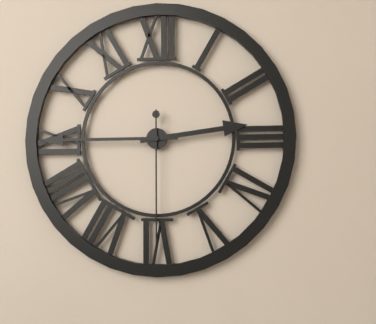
**2:45:30**
